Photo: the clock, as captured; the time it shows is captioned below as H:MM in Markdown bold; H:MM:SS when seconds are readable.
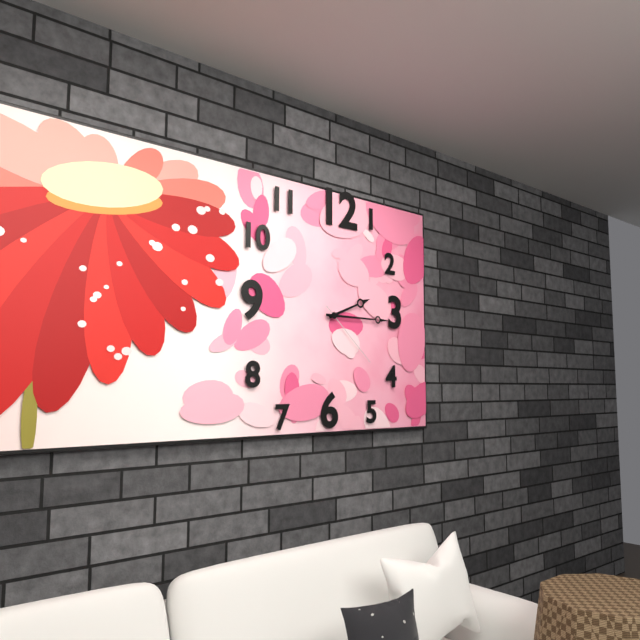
**2:15:22**
